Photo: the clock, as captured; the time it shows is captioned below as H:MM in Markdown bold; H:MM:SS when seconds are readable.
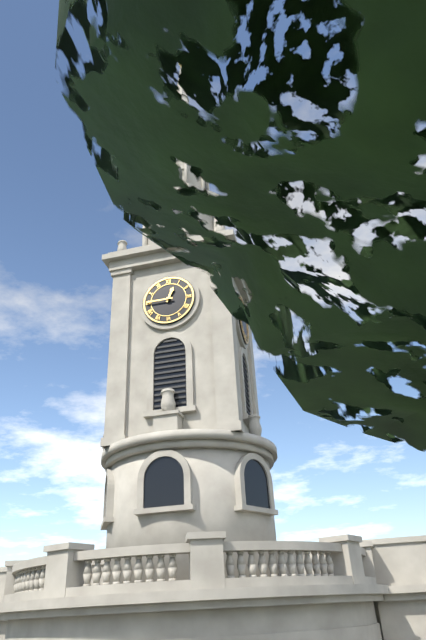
**12:45**
